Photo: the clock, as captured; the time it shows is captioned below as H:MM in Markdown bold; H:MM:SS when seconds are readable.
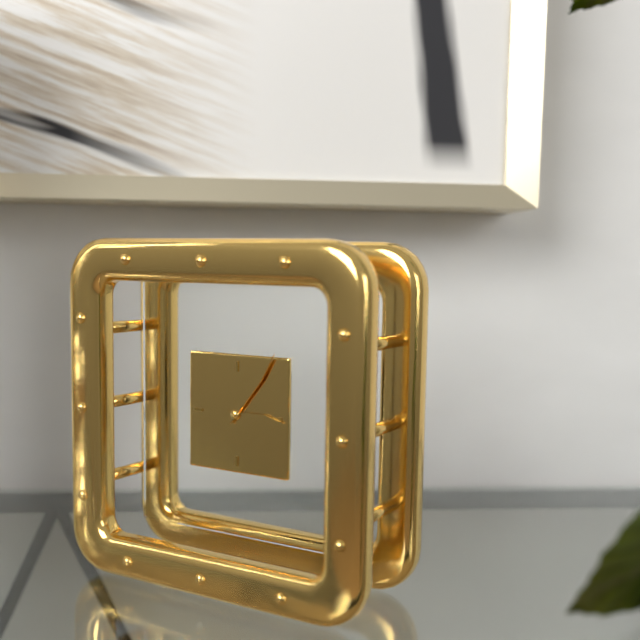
**3:06**
